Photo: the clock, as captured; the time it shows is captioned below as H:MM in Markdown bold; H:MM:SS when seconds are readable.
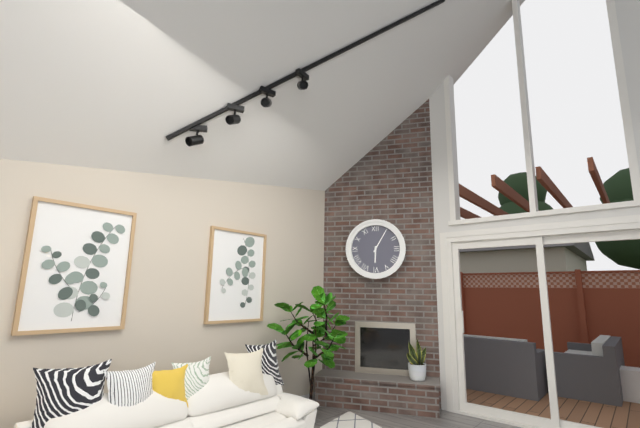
**6:05**
